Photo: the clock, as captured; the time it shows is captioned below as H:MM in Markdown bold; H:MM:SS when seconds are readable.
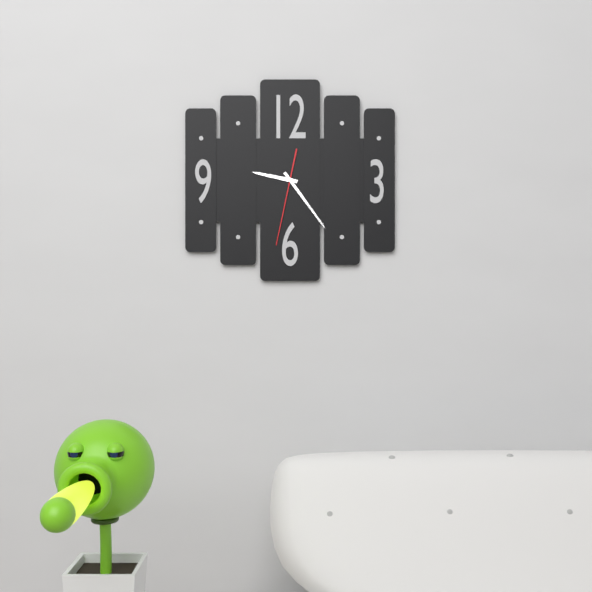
**9:24:32**
